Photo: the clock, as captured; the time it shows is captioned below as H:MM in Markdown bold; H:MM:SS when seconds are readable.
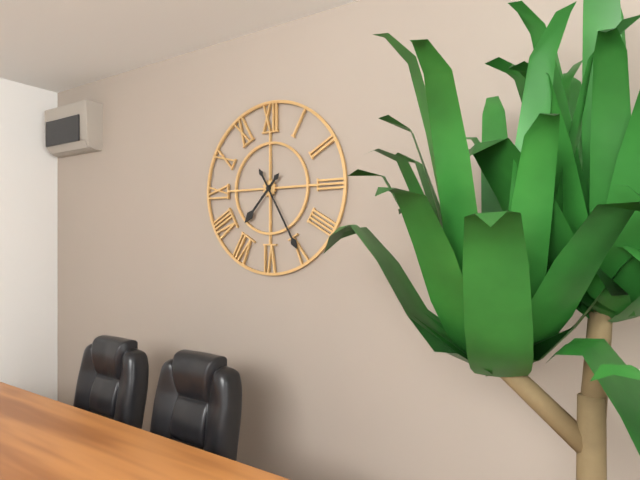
**7:25**
